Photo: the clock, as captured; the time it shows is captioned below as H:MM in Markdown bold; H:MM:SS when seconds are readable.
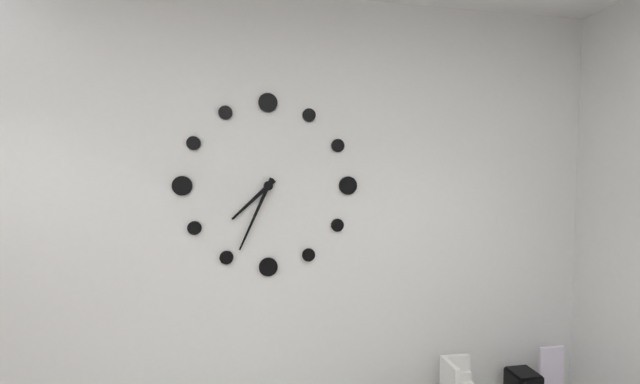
**7:34**
